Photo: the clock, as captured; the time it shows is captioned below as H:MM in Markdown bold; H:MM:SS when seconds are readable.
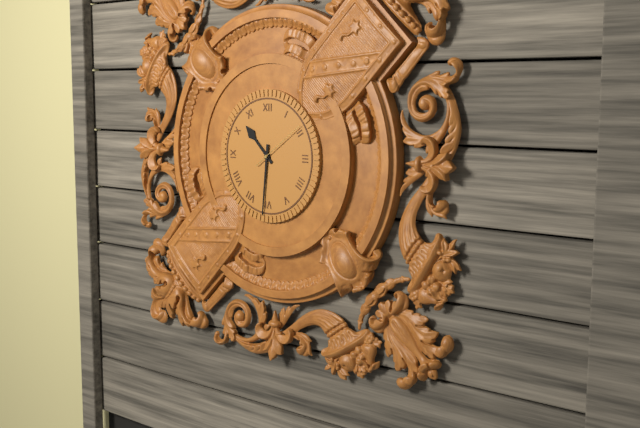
**10:31:09**
